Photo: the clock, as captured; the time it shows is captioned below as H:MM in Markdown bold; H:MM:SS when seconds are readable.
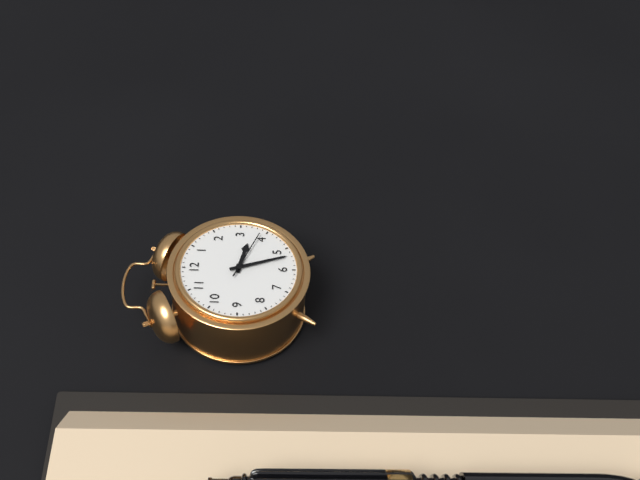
**3:27**
